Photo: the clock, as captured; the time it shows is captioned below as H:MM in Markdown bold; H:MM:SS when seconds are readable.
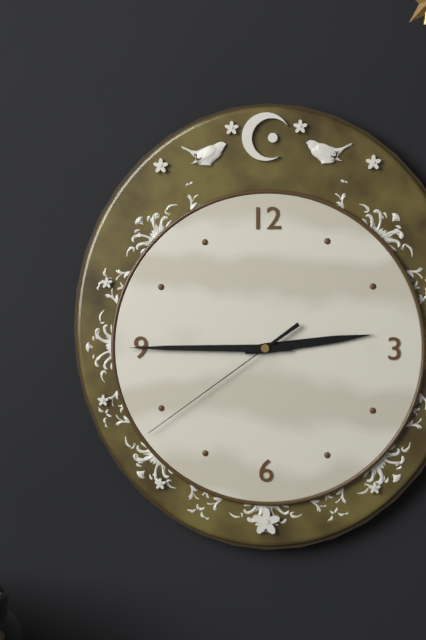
**2:45:39**
